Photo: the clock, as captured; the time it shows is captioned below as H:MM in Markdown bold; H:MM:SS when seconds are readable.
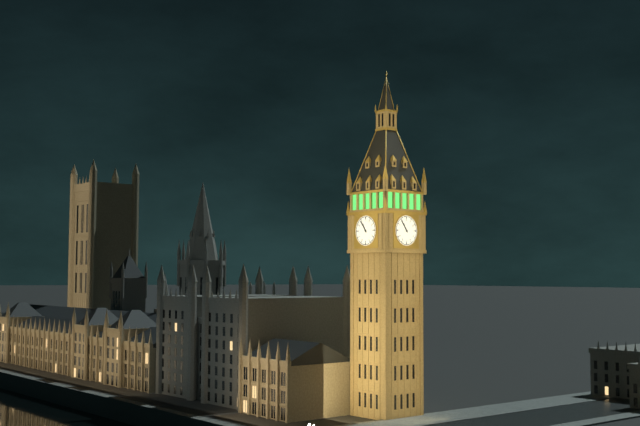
**10:54**
